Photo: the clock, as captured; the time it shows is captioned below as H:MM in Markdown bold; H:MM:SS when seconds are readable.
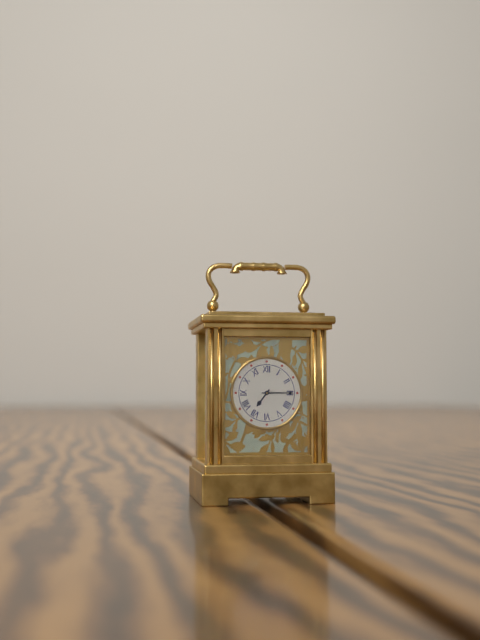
**7:15**
